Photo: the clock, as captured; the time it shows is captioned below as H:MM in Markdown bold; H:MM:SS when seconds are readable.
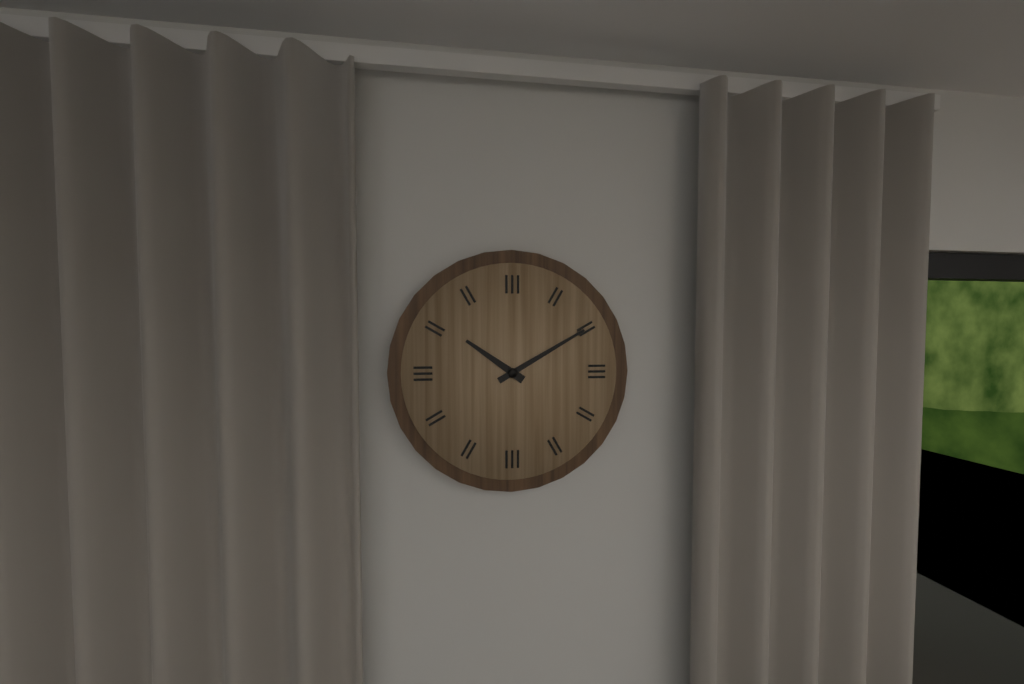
**10:10**
